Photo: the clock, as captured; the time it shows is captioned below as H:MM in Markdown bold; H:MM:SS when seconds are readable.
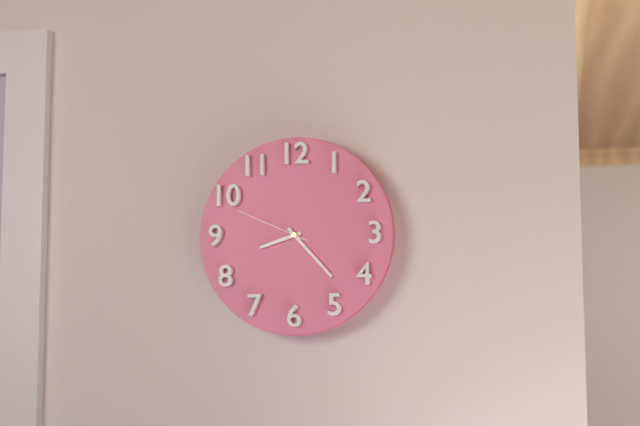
**8:23:49**
